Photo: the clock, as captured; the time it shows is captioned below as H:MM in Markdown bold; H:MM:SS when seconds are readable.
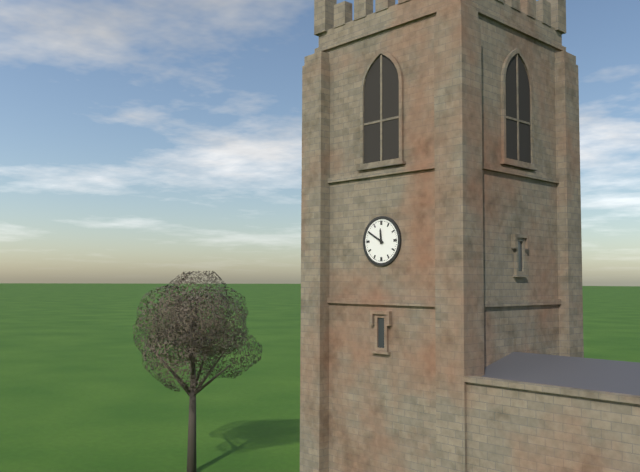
**11:50**
